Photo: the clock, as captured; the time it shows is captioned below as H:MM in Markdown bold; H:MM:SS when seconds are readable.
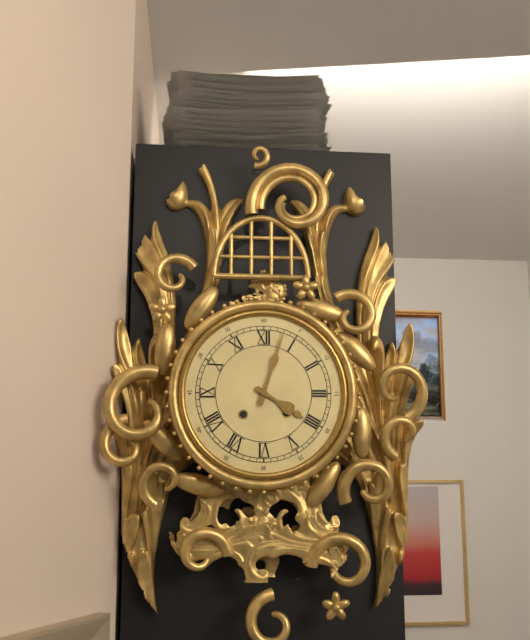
**4:03**
